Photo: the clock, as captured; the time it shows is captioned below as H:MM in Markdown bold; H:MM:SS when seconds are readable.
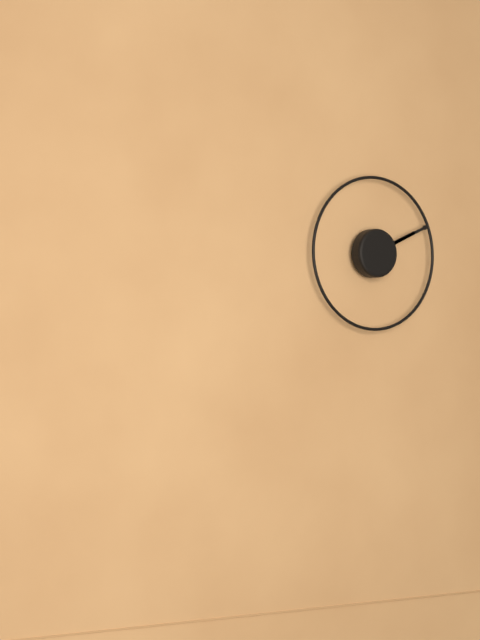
**2:11**
